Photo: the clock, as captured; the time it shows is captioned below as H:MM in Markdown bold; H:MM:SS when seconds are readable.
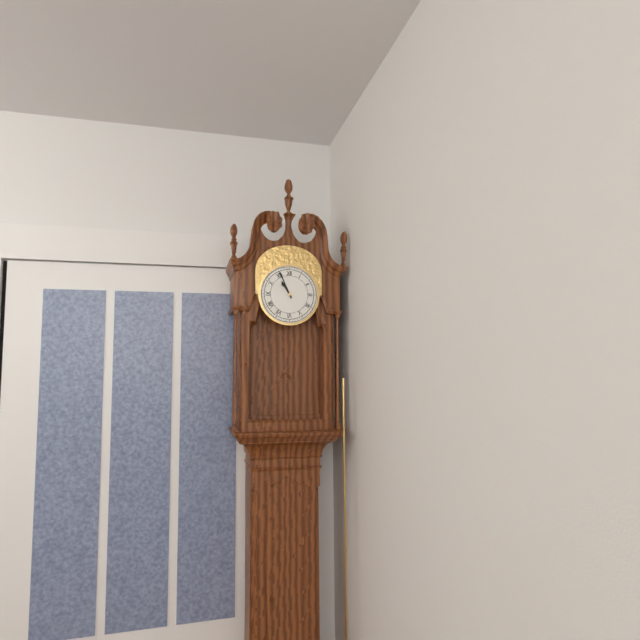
**10:56**
